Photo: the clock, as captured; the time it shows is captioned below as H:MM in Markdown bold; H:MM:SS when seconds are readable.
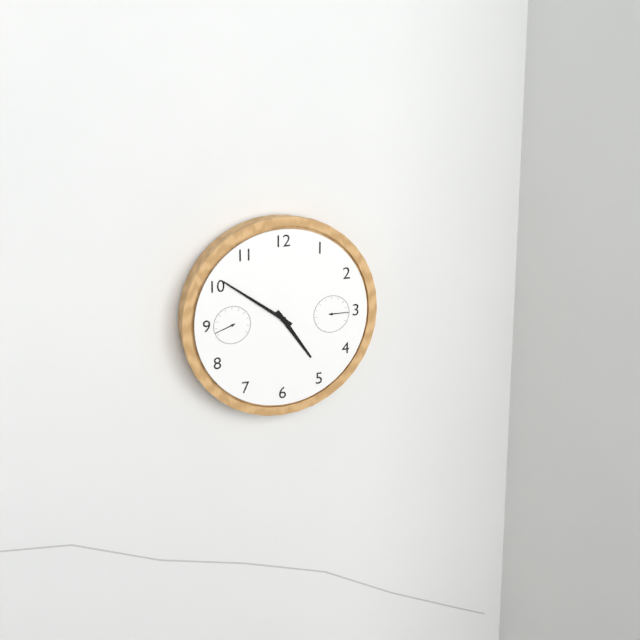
**4:51**
